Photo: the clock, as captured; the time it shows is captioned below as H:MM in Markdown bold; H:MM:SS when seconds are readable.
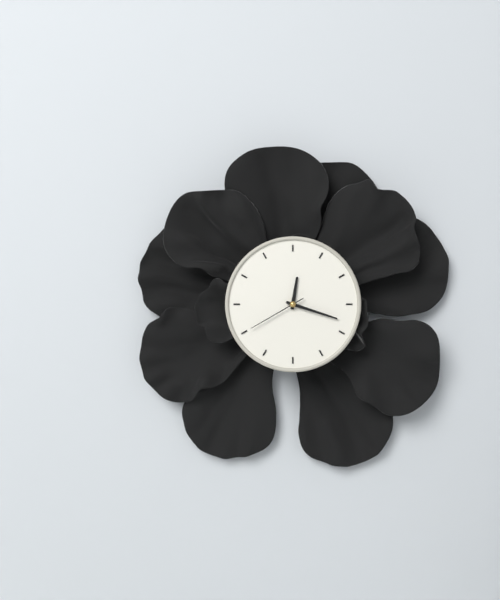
**12:18:40**
